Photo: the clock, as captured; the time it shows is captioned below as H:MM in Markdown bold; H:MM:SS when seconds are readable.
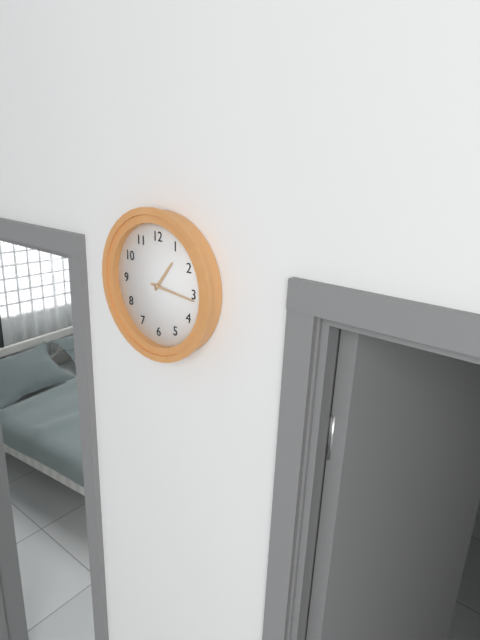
**1:16**
